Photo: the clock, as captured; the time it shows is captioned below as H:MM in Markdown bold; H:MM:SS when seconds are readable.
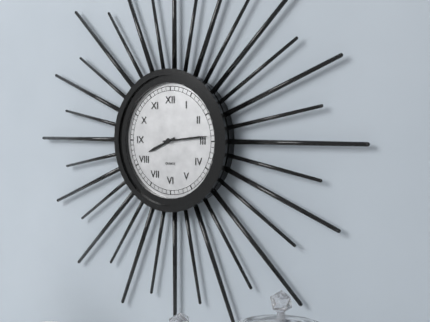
**8:14**
